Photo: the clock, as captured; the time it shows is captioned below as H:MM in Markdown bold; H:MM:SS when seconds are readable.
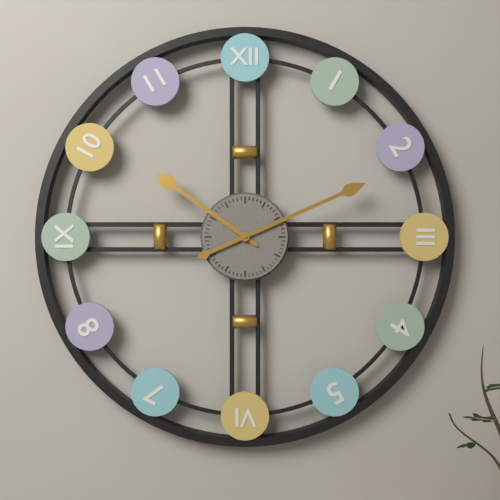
**10:11**
